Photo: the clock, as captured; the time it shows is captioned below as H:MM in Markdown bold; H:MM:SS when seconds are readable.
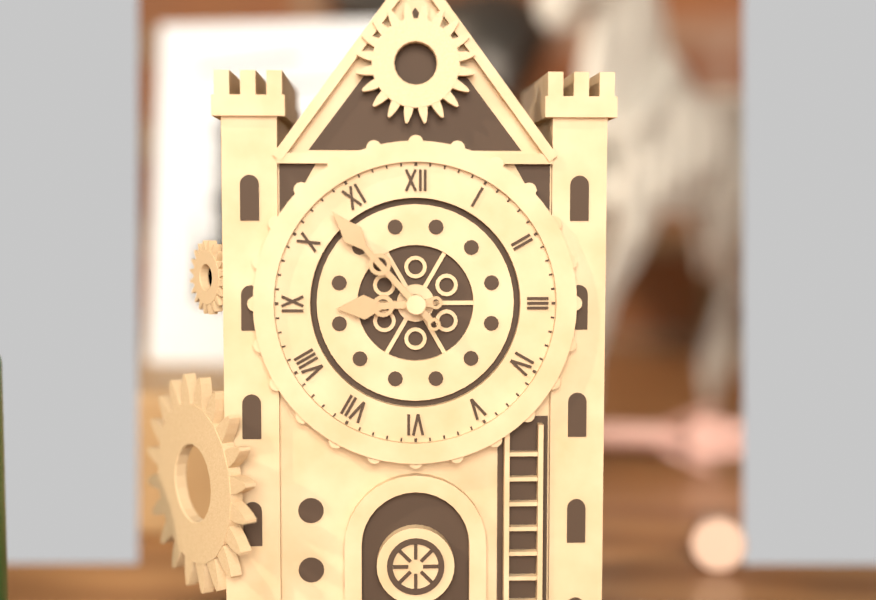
**8:53**
